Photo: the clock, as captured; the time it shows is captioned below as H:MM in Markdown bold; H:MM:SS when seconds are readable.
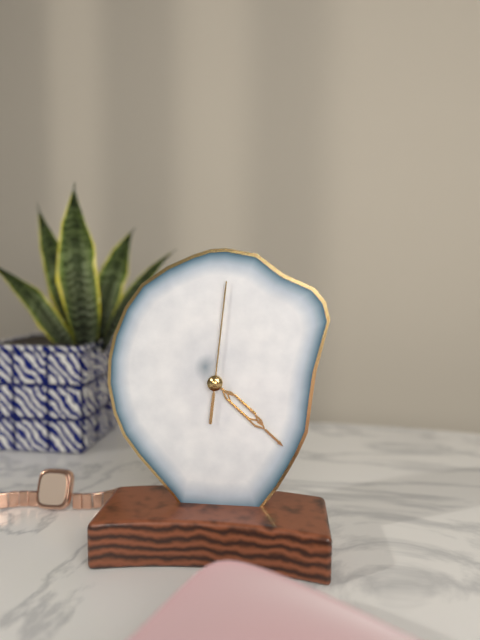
**4:22:01**
